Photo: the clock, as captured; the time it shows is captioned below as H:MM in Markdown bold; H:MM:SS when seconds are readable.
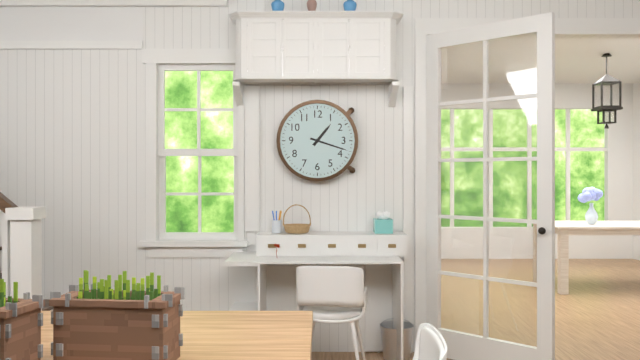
**1:18**
